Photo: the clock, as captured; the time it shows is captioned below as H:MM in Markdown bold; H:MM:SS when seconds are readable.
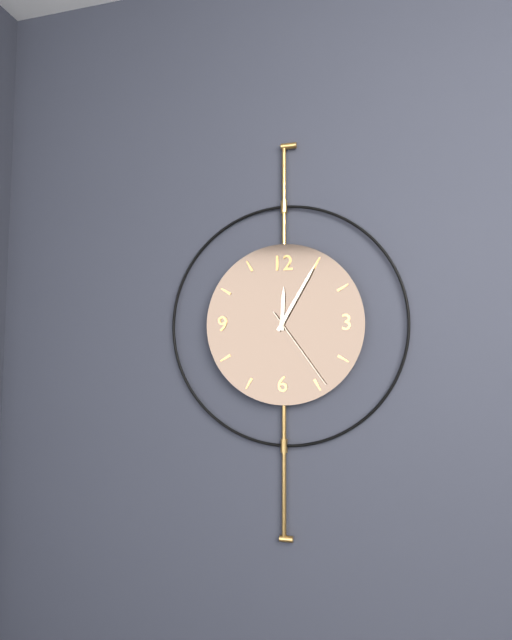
**12:05:24**
